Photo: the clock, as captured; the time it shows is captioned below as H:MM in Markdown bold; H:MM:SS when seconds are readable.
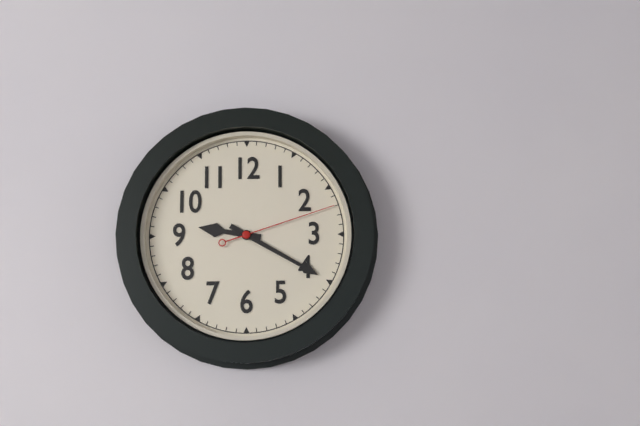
**9:20:12**
